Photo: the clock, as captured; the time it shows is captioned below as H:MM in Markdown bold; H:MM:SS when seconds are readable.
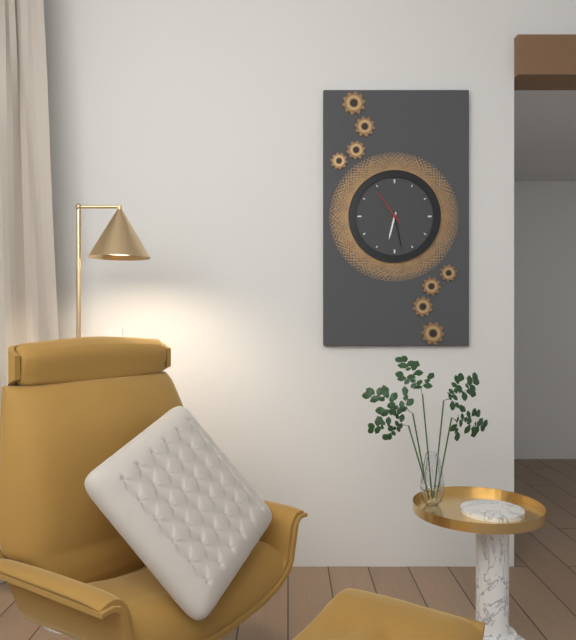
**6:28**
